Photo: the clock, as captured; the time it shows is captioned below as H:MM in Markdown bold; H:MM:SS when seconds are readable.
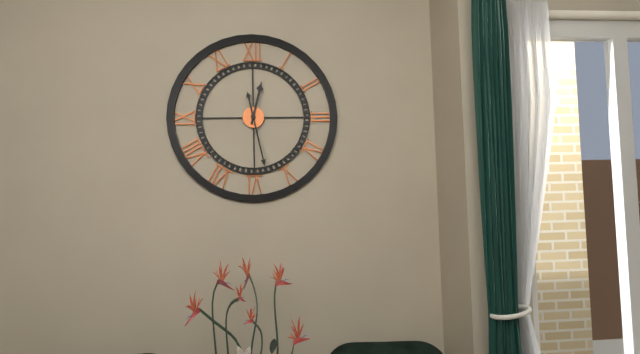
**12:28**
